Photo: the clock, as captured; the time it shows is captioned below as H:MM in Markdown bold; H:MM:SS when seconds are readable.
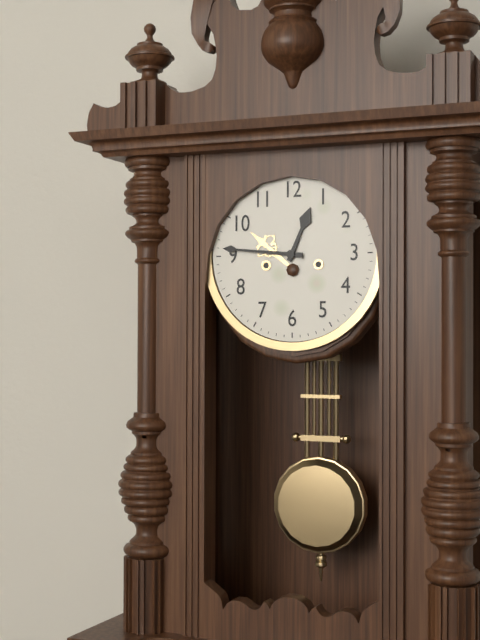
**12:46**
